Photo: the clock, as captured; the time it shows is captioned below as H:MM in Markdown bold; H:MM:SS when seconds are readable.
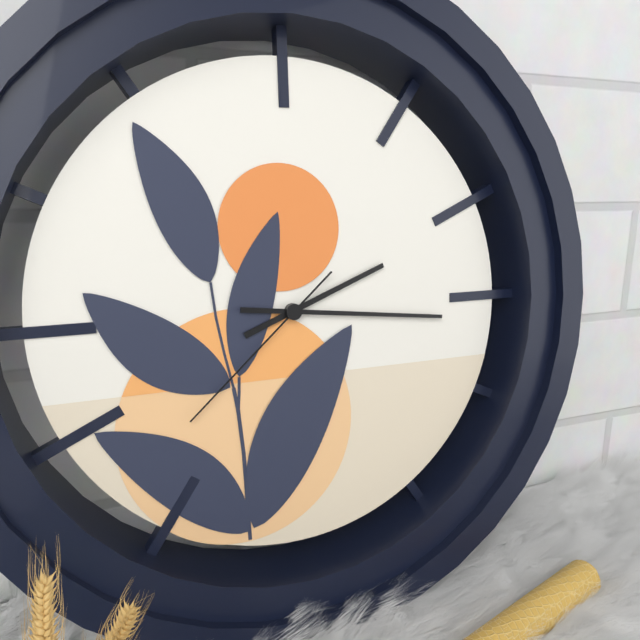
**2:16:38**
